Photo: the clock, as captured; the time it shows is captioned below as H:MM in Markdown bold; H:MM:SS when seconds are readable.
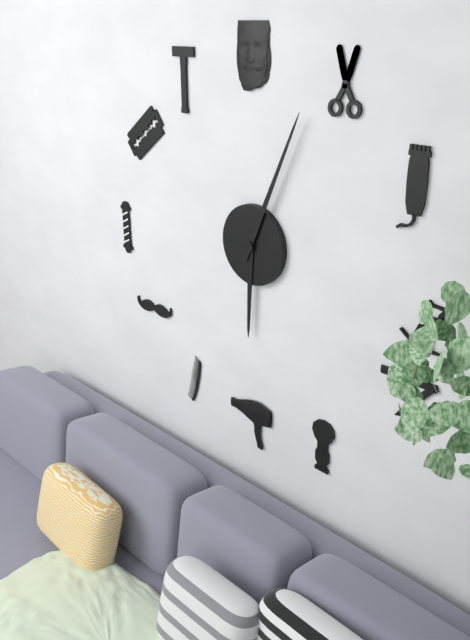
**6:04**
